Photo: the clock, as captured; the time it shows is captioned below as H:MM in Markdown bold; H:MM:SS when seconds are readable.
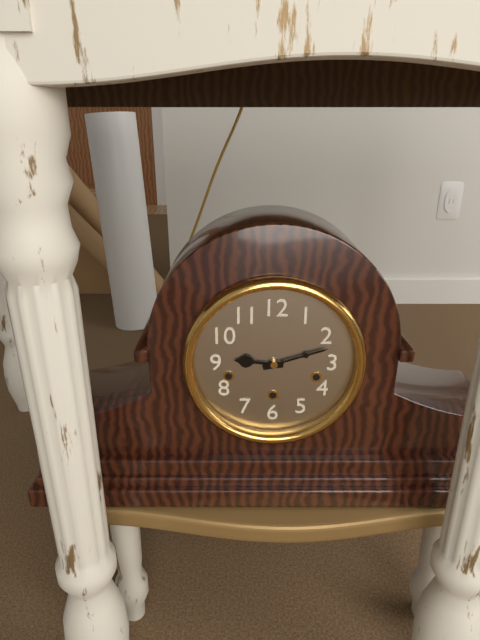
**9:12**
